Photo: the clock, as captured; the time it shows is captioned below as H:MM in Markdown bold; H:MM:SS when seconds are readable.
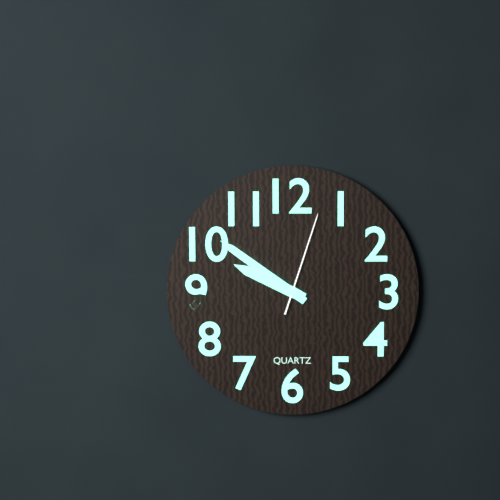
**9:51:03**
